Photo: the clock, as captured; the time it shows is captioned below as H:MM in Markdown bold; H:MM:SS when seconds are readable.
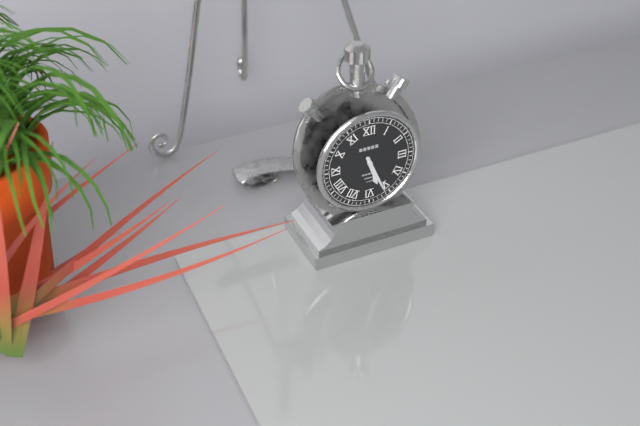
**5:26**
